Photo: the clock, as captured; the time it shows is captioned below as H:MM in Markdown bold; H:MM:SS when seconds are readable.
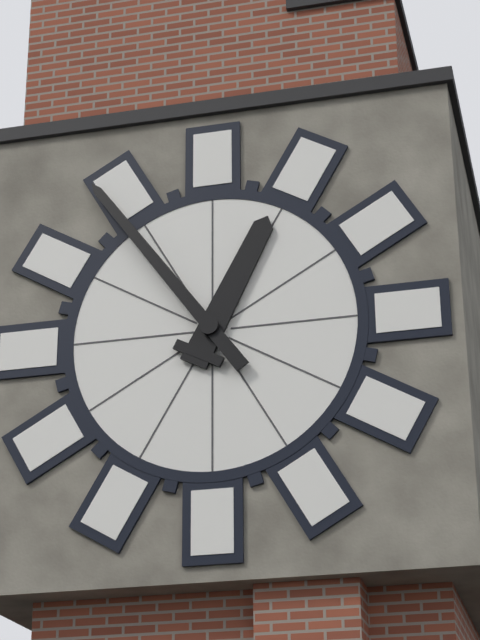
**12:54**
